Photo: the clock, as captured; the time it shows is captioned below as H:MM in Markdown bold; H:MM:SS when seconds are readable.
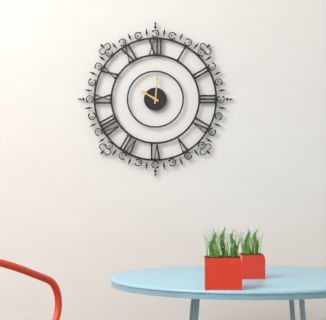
**10:01**
